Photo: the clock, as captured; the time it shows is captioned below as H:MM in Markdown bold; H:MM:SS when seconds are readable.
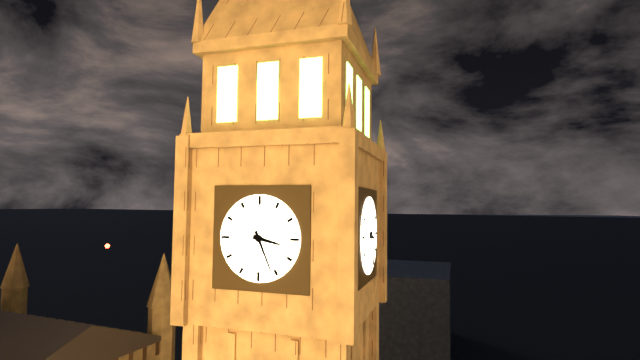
**3:26**
